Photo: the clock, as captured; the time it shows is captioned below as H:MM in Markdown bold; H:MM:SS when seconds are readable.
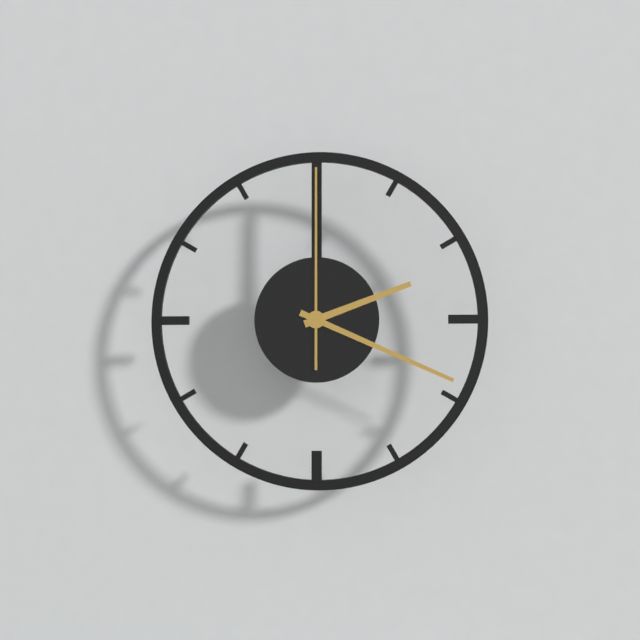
**2:19:00**
